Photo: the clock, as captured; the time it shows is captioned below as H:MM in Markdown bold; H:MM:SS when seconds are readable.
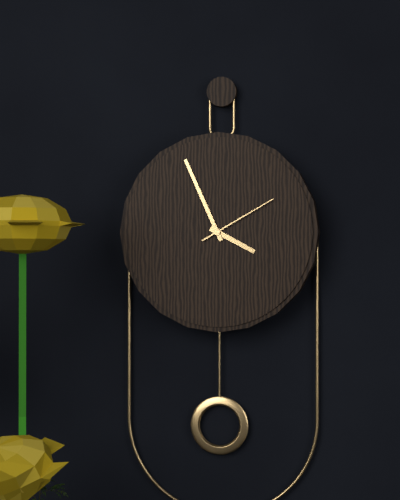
**3:56:10**
